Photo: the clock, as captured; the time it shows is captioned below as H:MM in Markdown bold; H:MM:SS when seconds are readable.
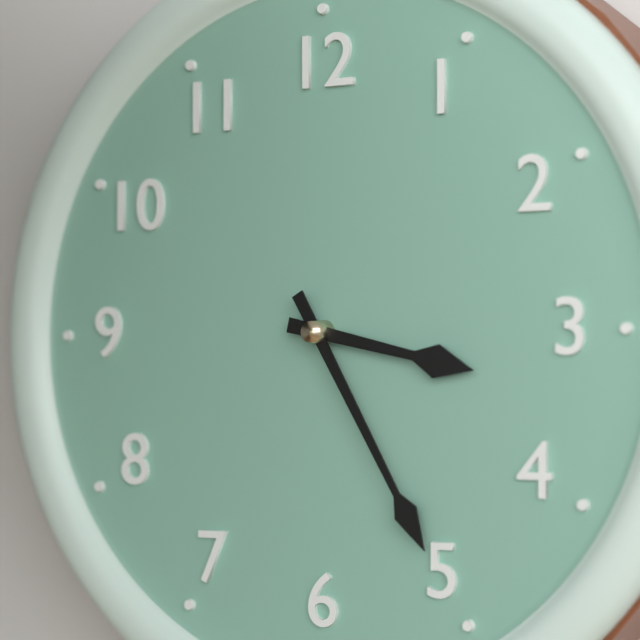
**3:25**
